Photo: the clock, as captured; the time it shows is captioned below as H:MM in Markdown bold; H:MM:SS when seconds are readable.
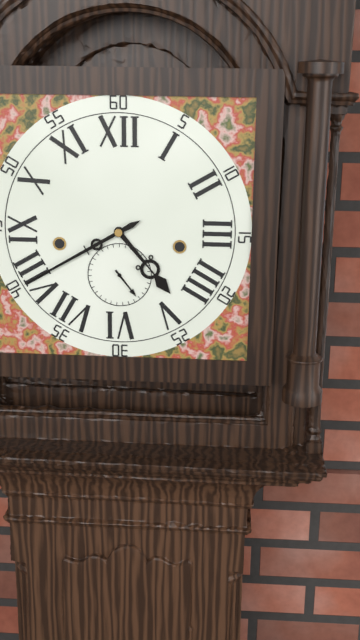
**4:40**
